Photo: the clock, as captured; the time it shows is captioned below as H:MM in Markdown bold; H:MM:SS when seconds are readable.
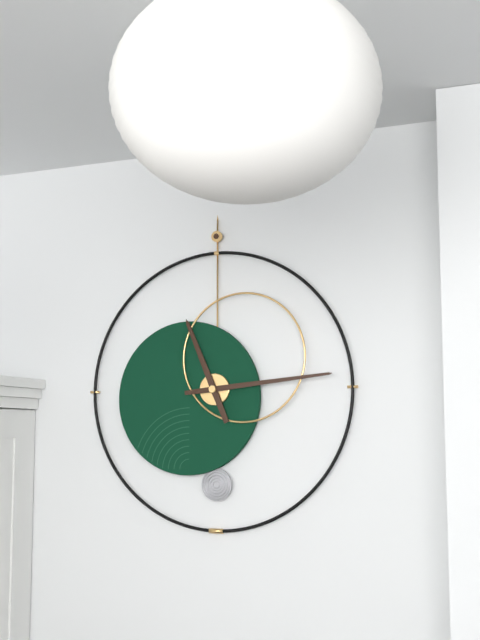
**11:14**
